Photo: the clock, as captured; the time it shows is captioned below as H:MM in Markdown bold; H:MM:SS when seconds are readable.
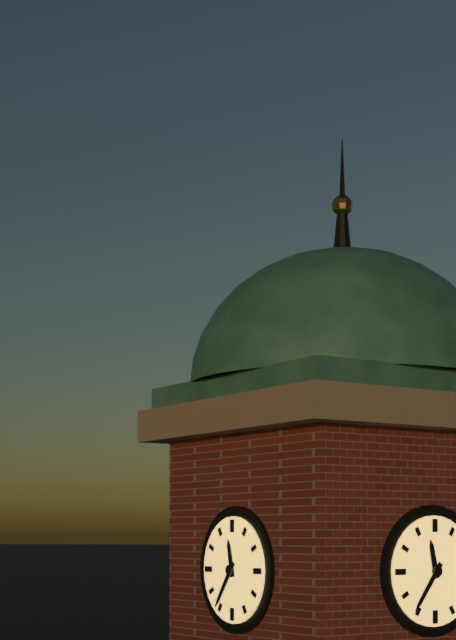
**11:36**
